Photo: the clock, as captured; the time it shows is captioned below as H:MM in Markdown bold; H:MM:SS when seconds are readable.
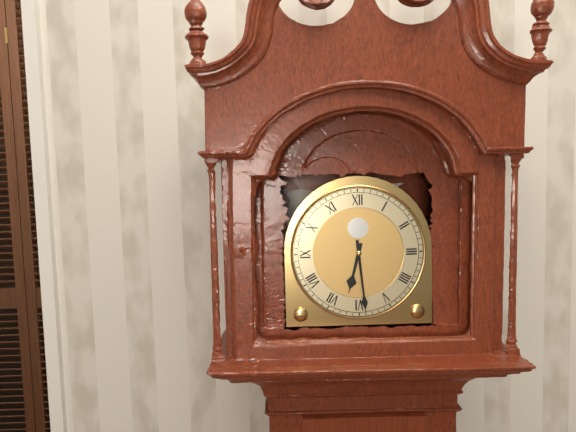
**6:29**
